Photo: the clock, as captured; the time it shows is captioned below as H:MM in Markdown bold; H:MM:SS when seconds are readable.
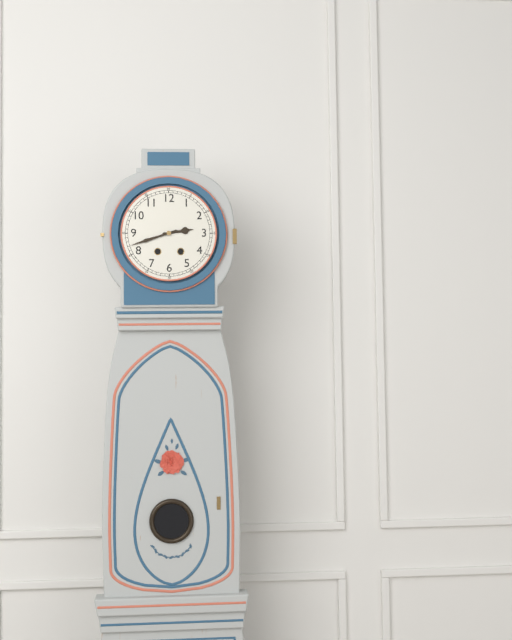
**2:42**
